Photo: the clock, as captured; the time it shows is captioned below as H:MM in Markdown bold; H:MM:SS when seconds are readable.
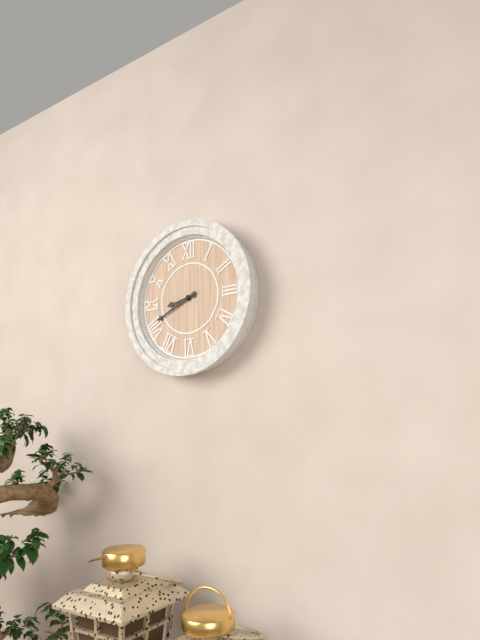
**8:41**
